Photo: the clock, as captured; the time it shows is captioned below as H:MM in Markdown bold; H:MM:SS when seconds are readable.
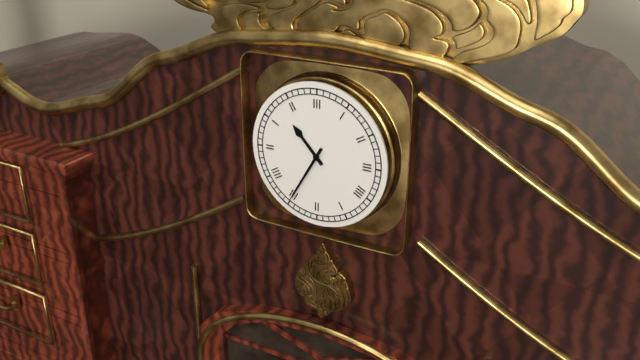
**10:35**
